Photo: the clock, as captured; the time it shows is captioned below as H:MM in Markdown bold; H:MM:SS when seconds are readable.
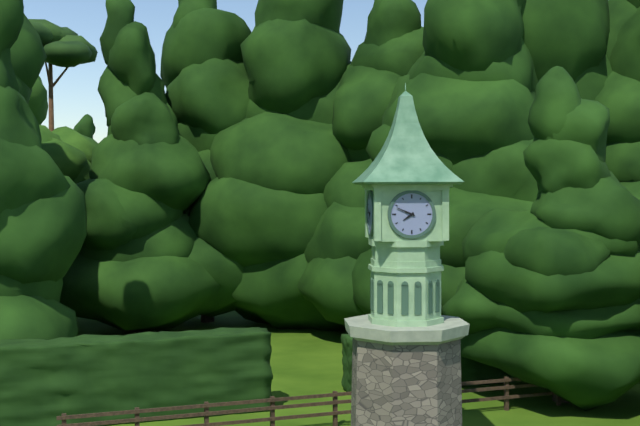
**7:49**
